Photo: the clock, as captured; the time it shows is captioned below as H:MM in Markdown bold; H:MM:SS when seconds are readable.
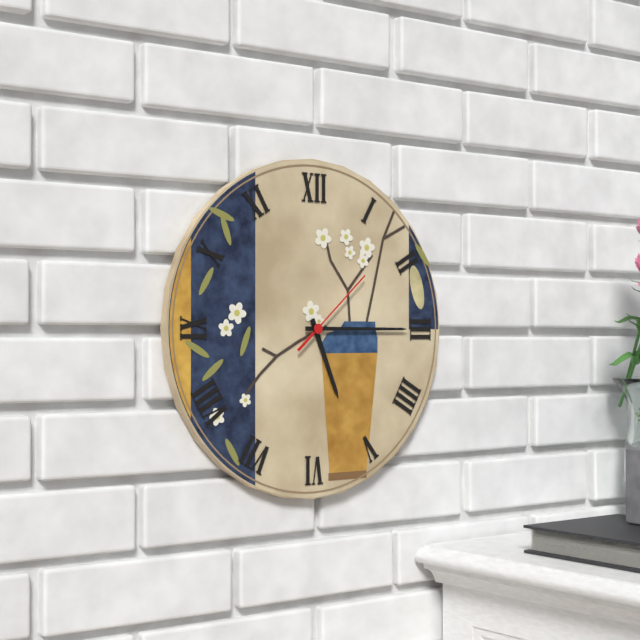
**5:15:08**
